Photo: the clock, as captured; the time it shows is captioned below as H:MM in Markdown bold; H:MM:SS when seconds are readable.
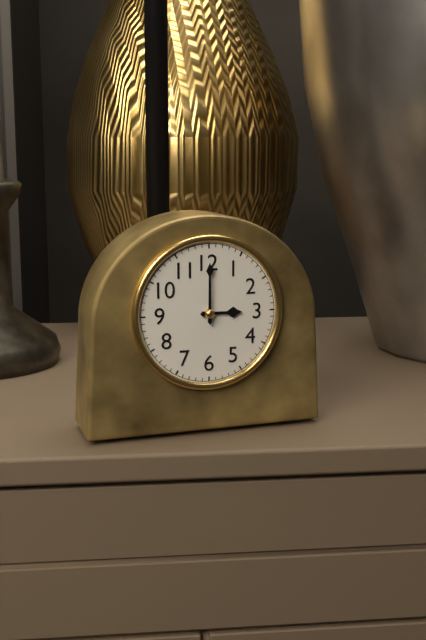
**3:00**
